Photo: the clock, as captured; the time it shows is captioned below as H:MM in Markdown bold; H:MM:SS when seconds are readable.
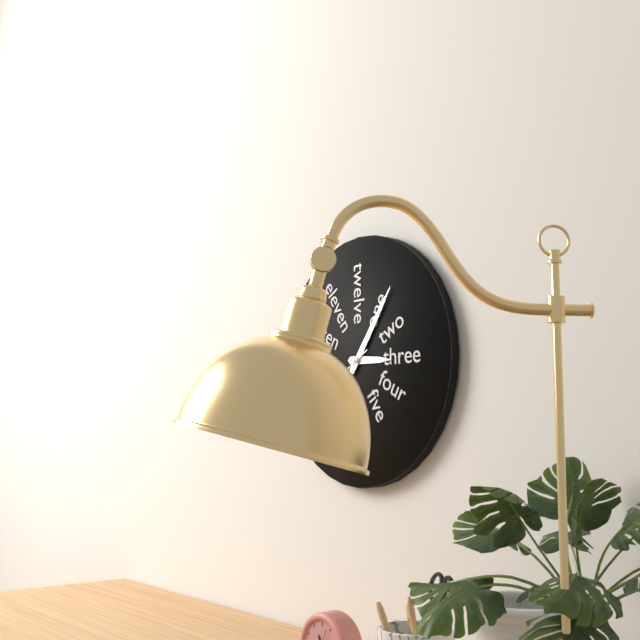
**3:06**
